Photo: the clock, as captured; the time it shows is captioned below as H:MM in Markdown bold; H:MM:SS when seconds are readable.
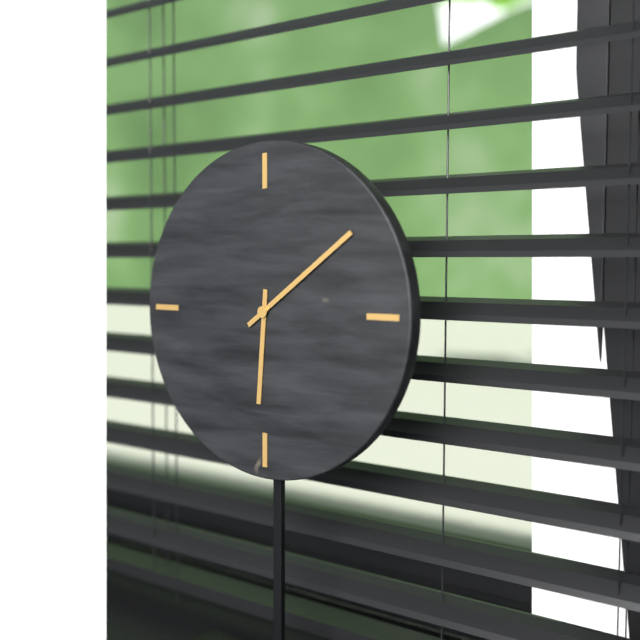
**6:09**
